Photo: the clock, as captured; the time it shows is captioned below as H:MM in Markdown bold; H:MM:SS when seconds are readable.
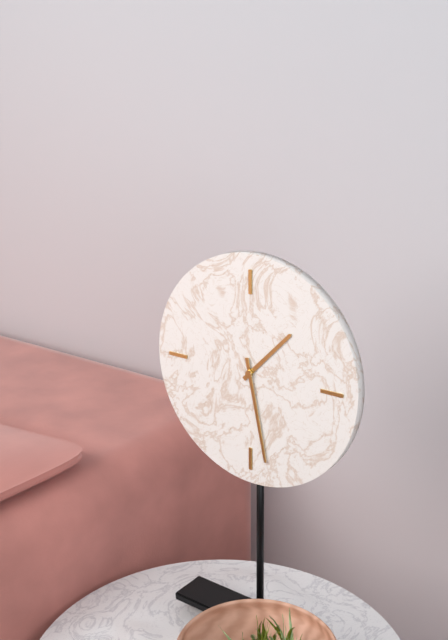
**1:28**
